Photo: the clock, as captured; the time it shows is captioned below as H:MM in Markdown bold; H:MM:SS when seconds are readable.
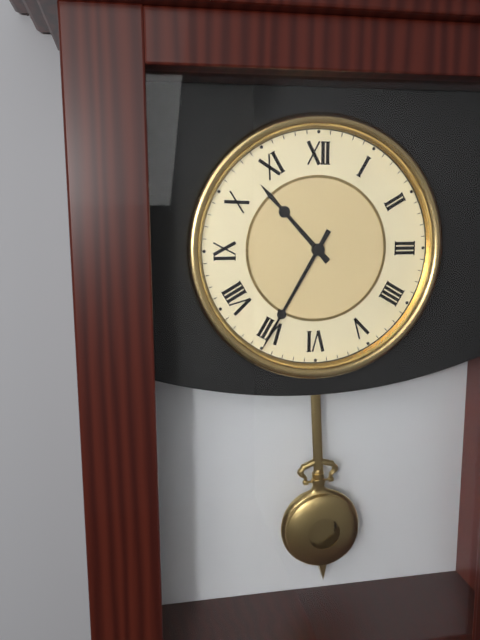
**10:35**
